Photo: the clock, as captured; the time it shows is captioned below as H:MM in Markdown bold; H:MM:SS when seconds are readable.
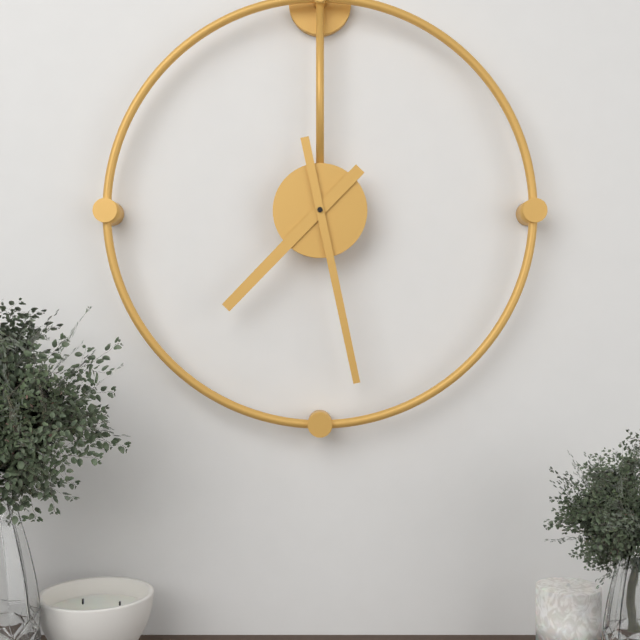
**7:28**
